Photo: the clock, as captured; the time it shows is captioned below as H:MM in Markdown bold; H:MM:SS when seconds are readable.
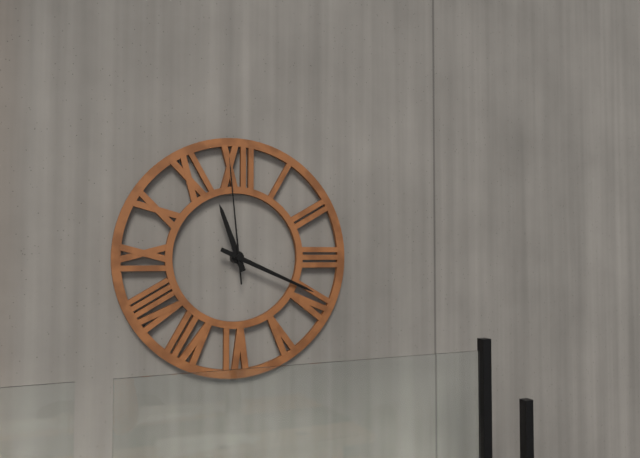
**11:19:59**
